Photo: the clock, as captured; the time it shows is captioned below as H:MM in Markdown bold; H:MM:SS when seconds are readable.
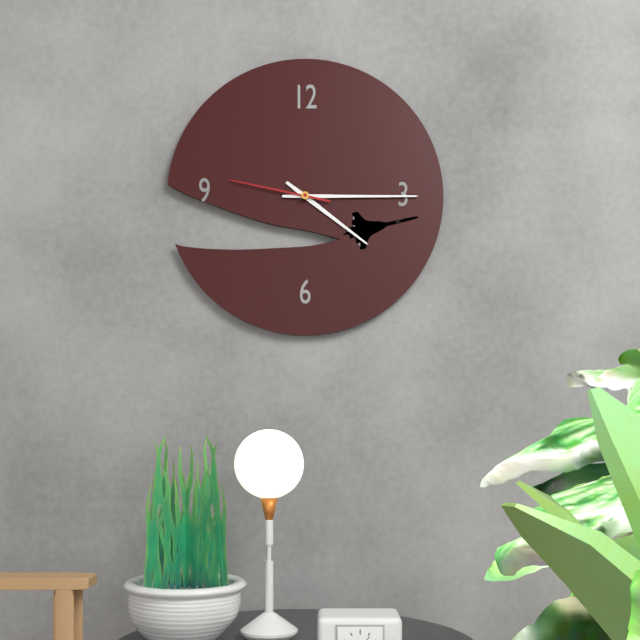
**4:15:47**
